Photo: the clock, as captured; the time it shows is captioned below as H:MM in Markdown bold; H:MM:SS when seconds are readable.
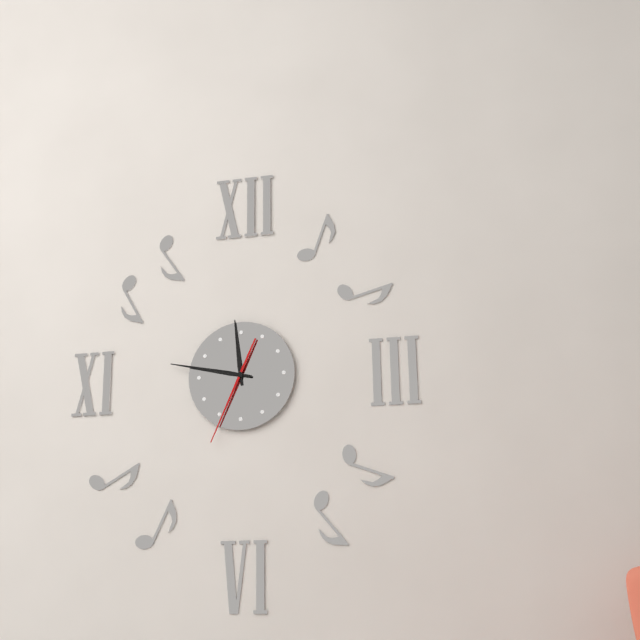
**11:47:34**
